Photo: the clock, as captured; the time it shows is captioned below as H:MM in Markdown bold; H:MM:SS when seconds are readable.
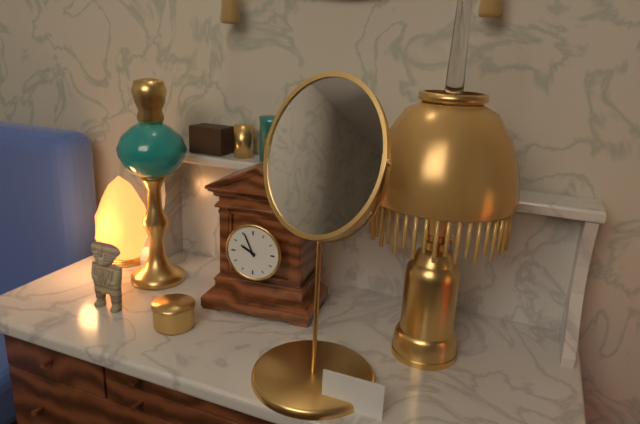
**9:56**
